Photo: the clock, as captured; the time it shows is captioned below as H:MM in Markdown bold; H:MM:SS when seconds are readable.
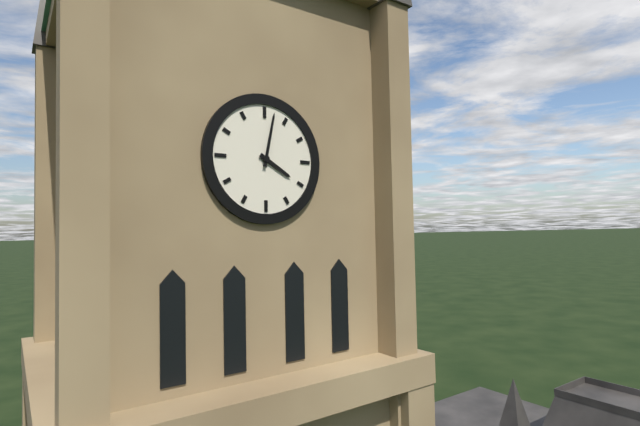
**4:02**
